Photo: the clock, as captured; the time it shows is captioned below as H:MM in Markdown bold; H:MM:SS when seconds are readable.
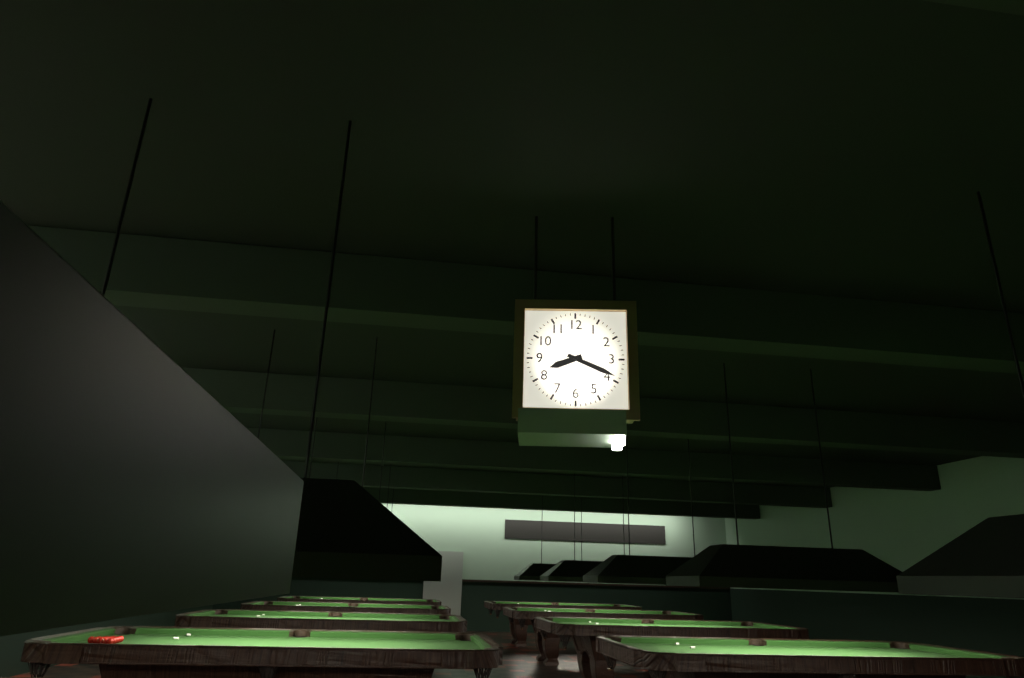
**8:19**
